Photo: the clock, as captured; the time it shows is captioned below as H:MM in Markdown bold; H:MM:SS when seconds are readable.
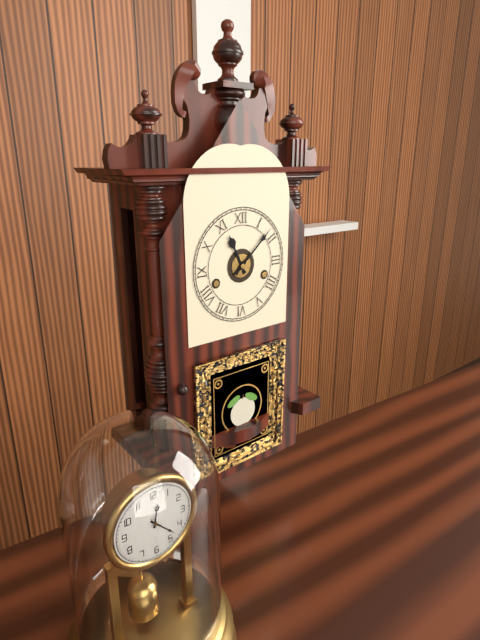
**11:08**
